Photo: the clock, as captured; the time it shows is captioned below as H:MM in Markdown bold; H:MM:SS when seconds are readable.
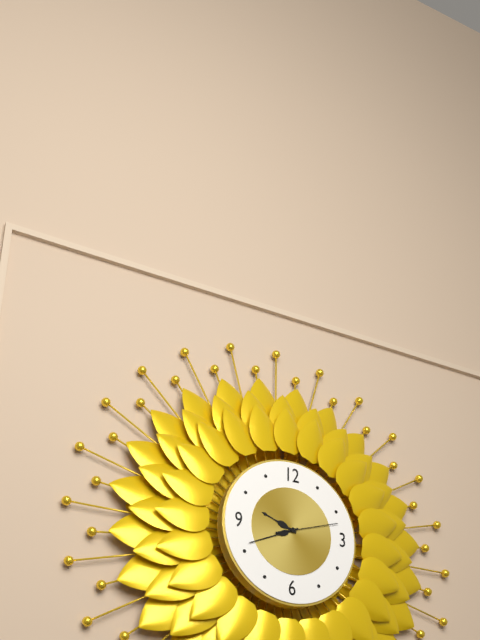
**9:41:12**
